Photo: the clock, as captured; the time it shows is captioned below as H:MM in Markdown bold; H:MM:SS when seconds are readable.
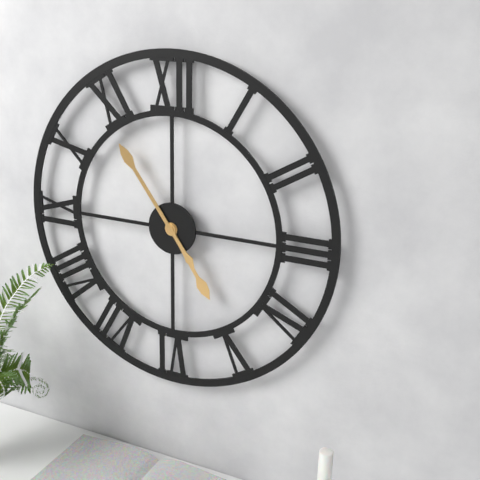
**4:54**
